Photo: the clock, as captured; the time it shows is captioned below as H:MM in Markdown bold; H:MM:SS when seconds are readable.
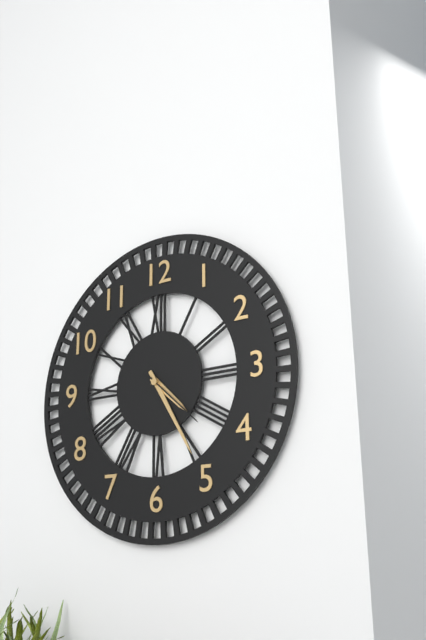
**4:25:22**
